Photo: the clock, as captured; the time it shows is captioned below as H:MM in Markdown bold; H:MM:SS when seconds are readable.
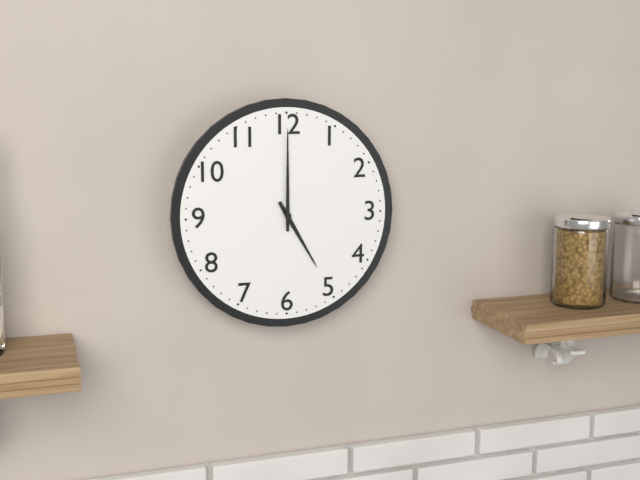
**5:00**
